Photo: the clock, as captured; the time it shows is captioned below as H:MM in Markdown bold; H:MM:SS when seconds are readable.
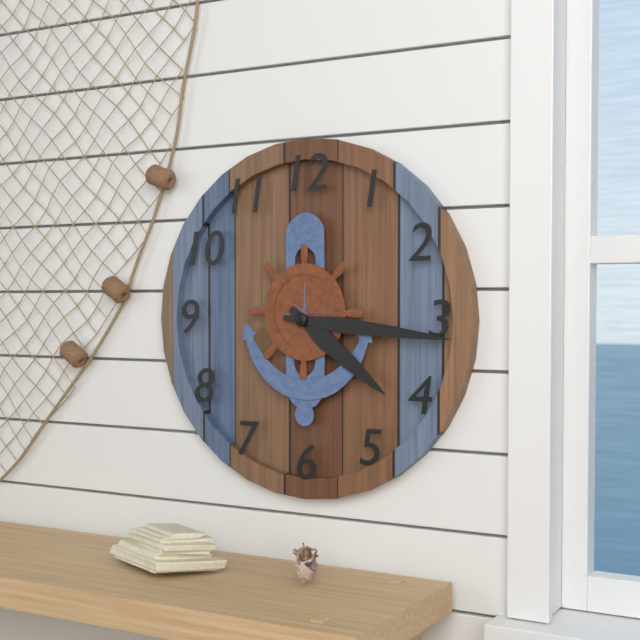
**4:16**
